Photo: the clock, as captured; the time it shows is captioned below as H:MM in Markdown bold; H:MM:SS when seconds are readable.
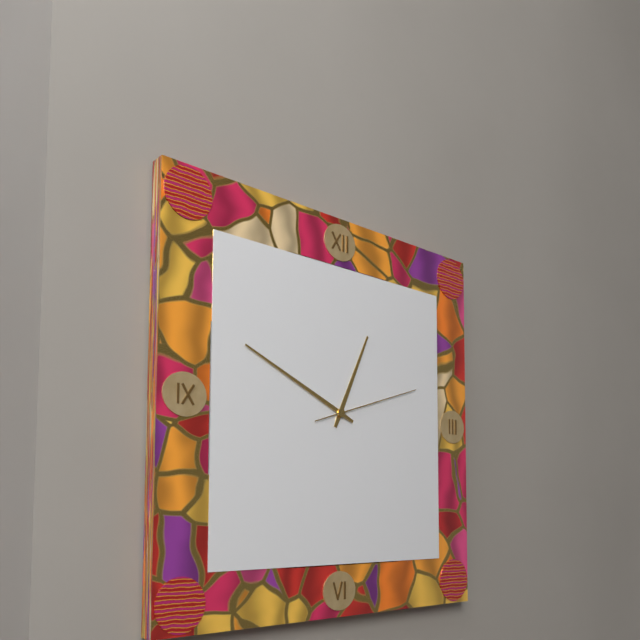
**12:49:12**
